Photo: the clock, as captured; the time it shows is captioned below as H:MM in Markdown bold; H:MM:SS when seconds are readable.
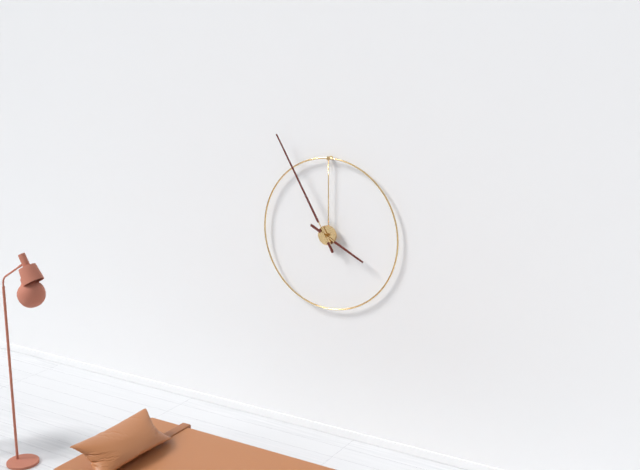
**3:55**
